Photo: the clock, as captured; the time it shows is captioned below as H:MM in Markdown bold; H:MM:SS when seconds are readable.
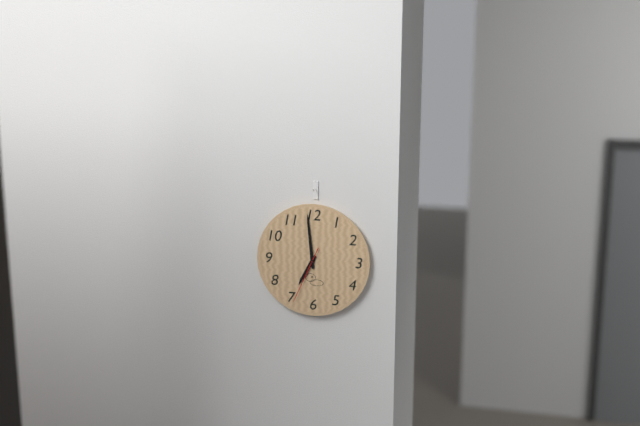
**6:59:34**
